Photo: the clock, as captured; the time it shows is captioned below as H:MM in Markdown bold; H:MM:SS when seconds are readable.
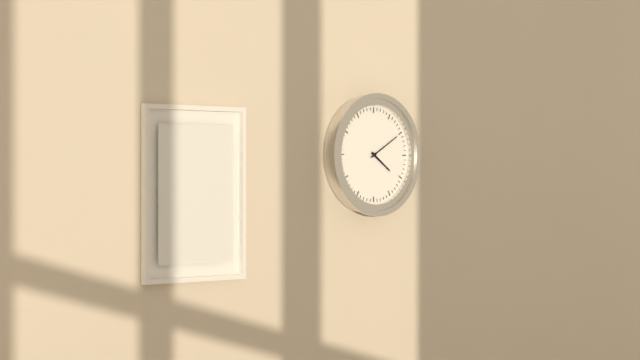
**4:10**
